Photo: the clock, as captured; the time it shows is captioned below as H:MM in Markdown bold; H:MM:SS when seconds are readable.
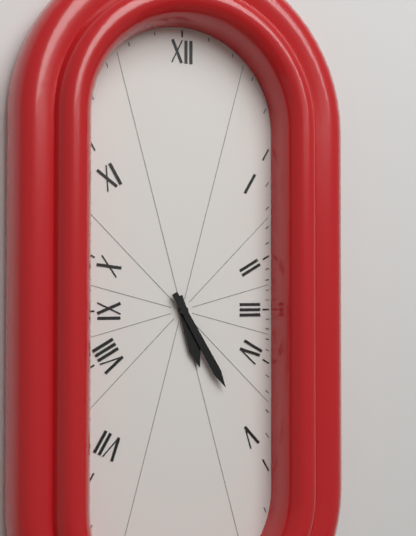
**5:25**
